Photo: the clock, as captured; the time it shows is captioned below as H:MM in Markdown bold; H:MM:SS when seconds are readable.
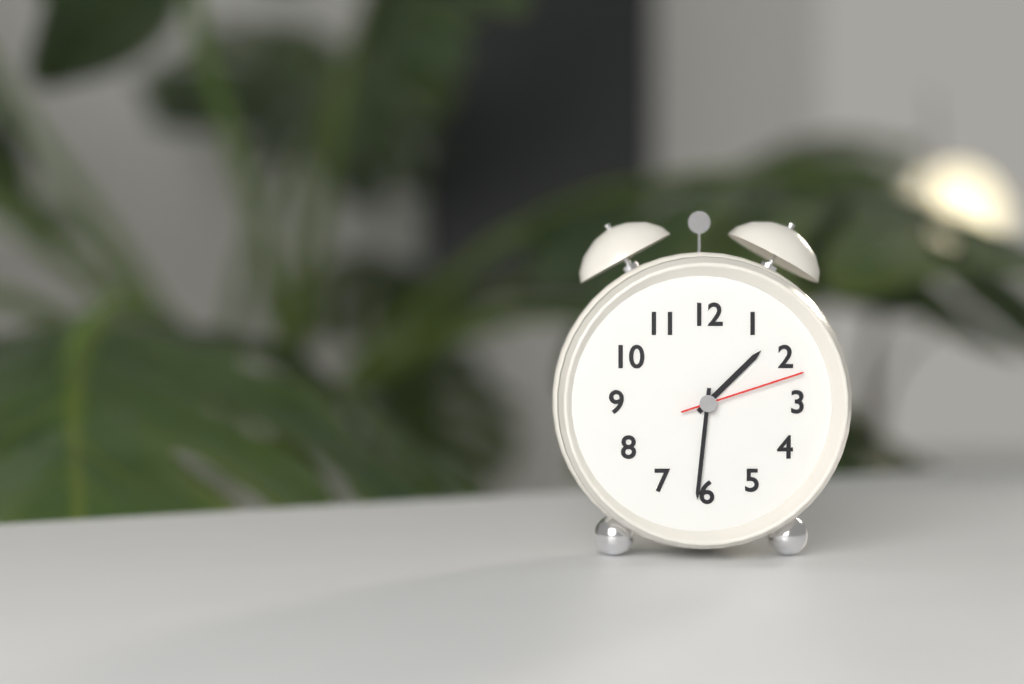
**1:31:12**
